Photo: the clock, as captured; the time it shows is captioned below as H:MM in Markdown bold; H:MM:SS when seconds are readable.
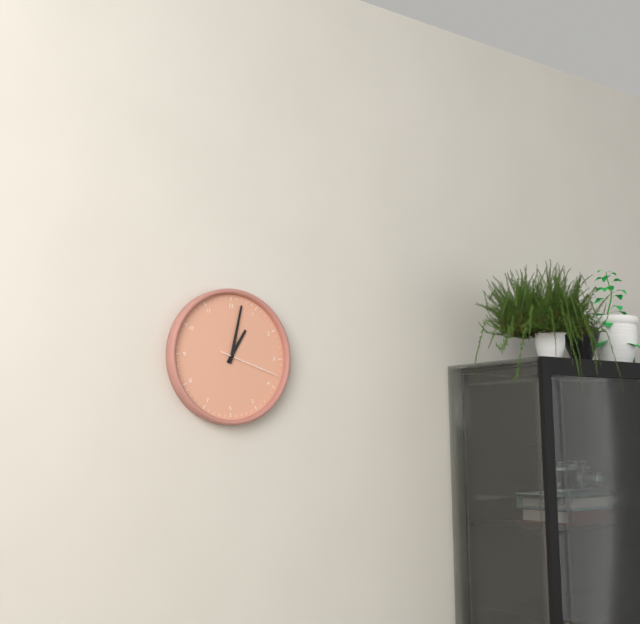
**1:02:18**
